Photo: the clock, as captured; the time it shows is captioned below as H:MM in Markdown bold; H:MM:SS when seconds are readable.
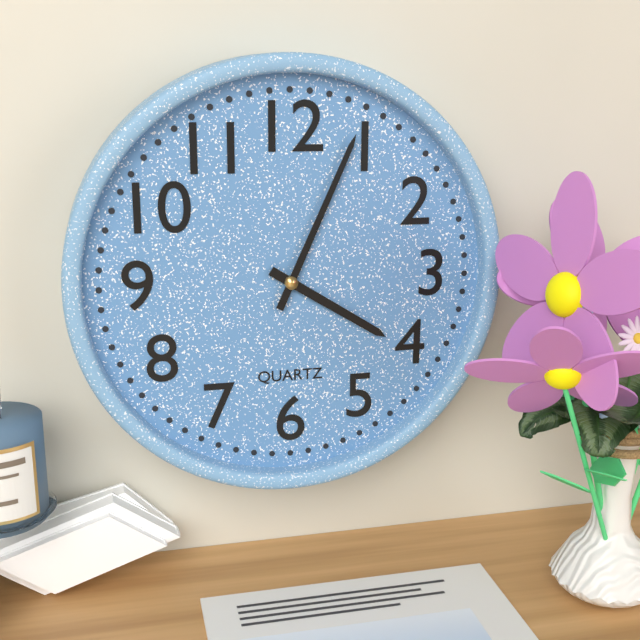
**4:04**
